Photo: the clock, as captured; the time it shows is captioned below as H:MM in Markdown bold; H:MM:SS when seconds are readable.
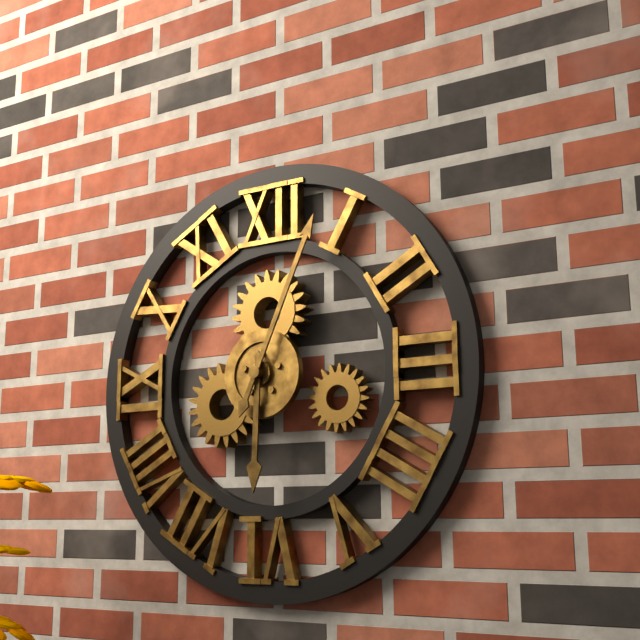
**6:04**
